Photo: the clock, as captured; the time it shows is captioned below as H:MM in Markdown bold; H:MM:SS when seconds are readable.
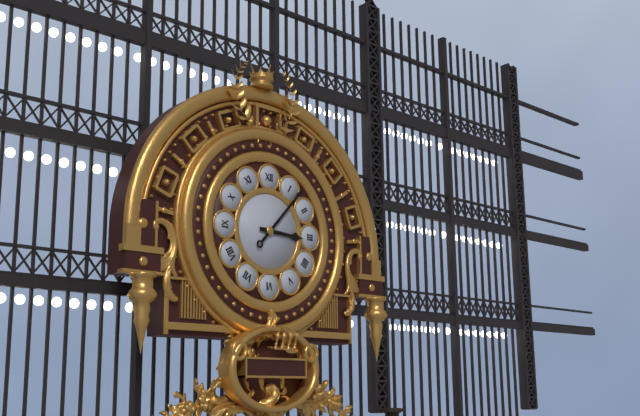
**3:07**
